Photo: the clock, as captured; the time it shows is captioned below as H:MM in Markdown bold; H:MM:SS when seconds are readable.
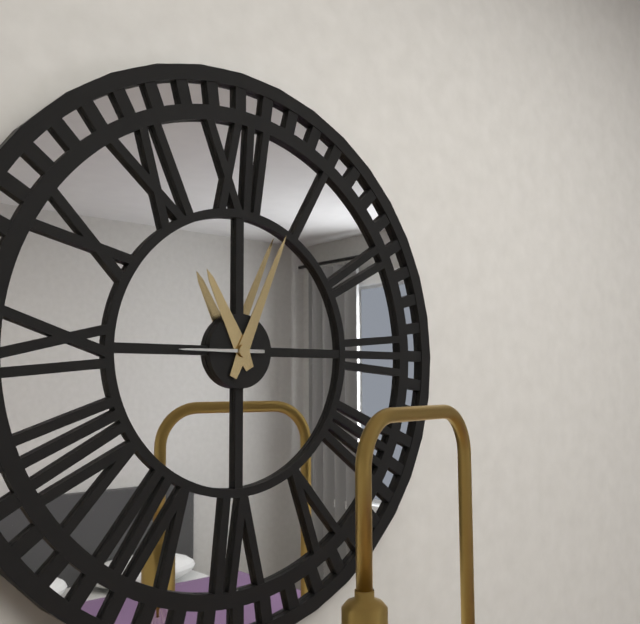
**11:04:45**
